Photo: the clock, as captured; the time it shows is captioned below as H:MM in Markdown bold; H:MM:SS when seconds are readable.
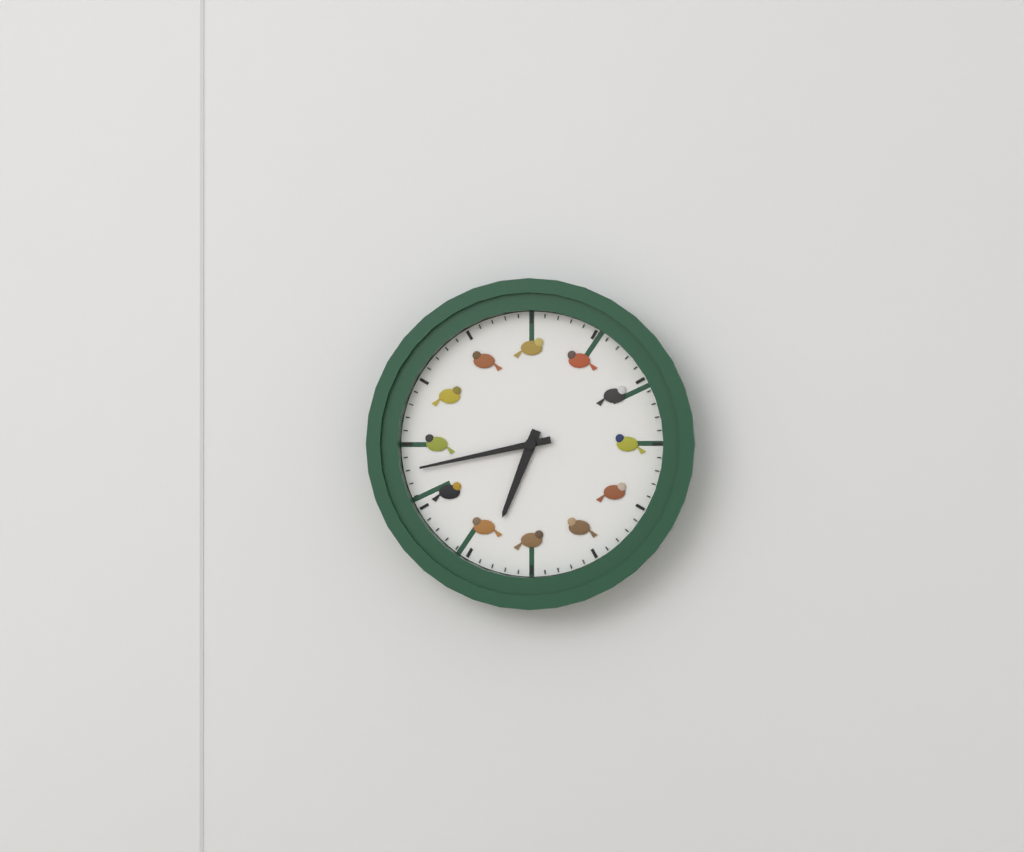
**6:43**
